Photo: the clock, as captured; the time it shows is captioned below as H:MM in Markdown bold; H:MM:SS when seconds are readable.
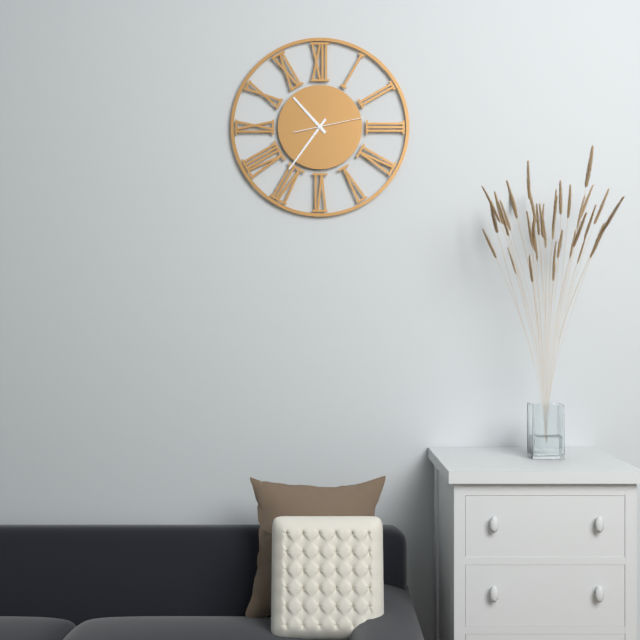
**10:36:13**
